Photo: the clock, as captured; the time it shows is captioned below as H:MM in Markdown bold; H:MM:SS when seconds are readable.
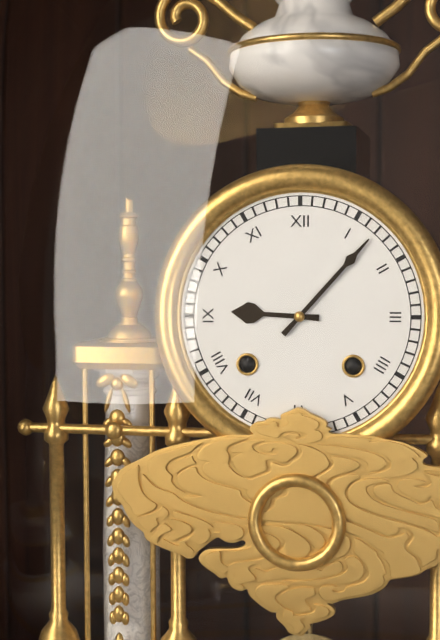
**9:07**
